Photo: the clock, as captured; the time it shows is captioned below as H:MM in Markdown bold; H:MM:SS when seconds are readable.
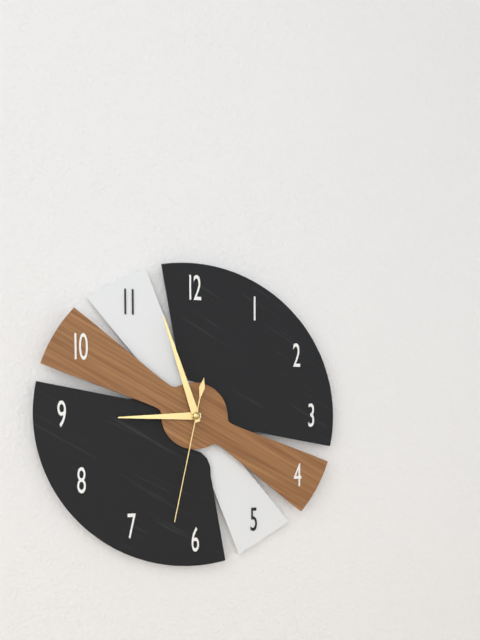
**8:57:32**
